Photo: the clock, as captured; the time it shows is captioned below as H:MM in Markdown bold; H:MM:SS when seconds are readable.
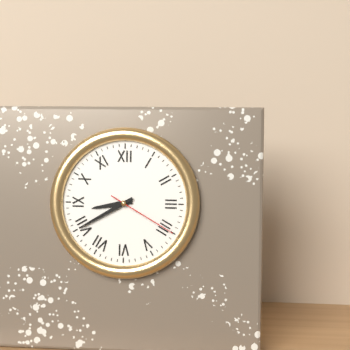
**8:40:20**
